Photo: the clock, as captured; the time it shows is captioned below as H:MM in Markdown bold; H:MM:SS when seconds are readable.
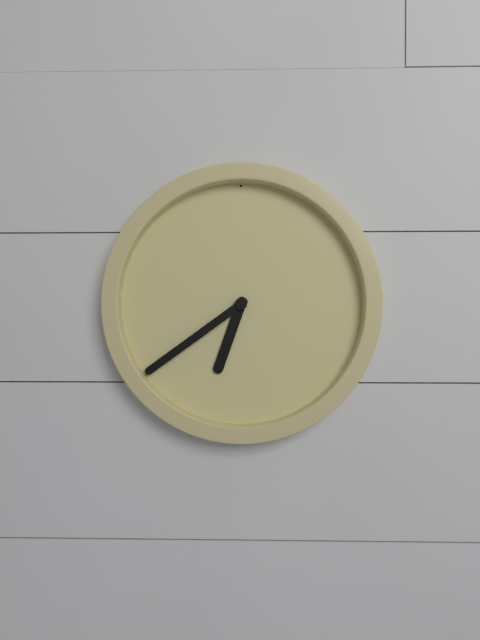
**6:39**
